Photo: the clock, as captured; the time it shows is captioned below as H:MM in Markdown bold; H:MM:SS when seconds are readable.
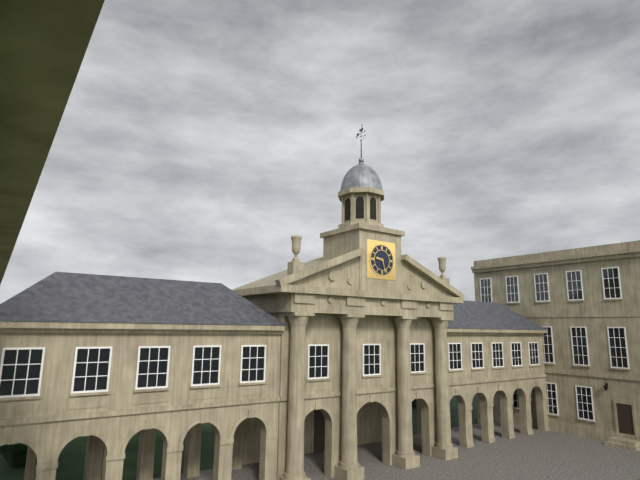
**9:27**
